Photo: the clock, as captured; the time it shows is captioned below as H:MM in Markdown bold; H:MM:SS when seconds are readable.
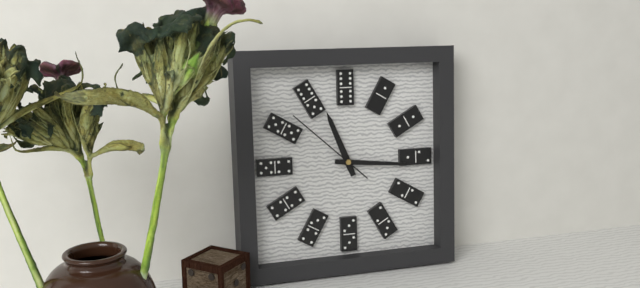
**11:16:52**
